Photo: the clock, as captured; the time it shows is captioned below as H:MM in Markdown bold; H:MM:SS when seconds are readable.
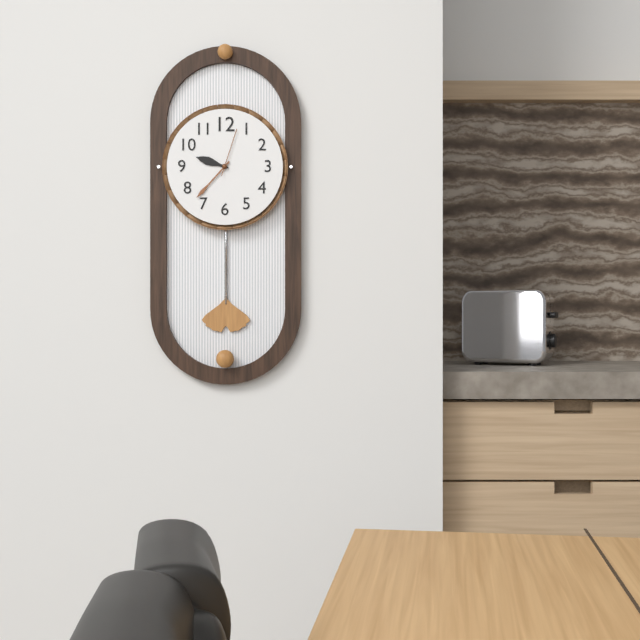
**9:37:03**
